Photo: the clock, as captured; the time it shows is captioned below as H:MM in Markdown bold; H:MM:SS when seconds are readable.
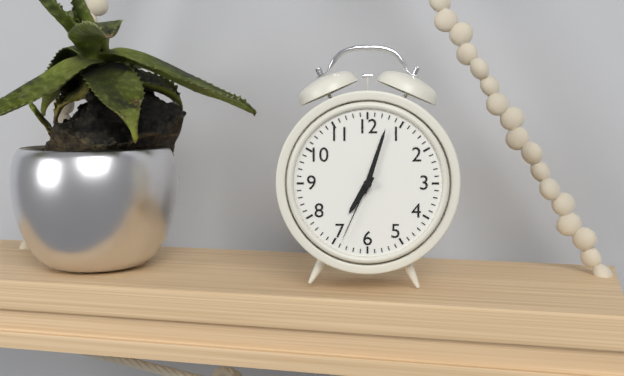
**7:03:34**
